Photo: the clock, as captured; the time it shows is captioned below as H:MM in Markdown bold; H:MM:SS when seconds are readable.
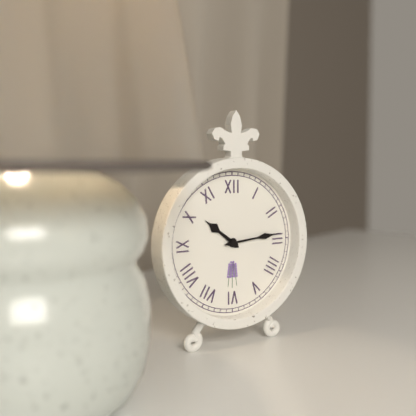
**10:14**
